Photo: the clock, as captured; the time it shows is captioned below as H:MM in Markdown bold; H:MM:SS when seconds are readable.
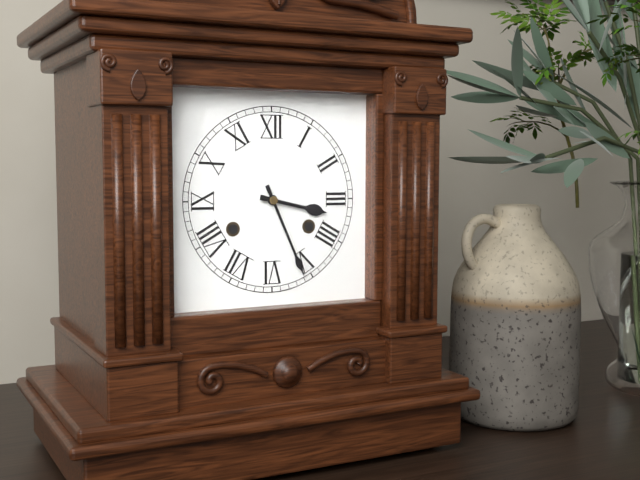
**3:26**
